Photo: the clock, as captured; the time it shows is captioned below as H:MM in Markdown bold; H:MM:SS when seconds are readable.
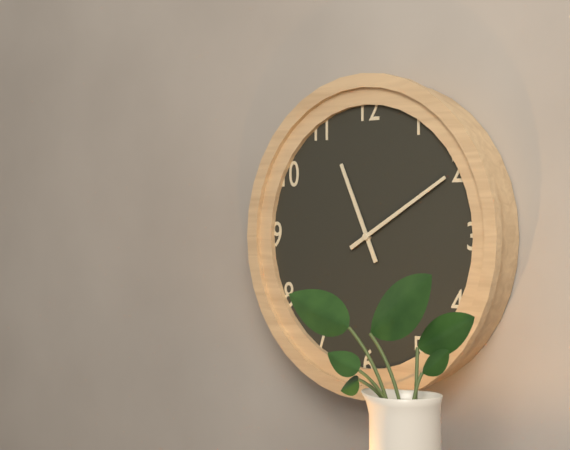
**11:10**
